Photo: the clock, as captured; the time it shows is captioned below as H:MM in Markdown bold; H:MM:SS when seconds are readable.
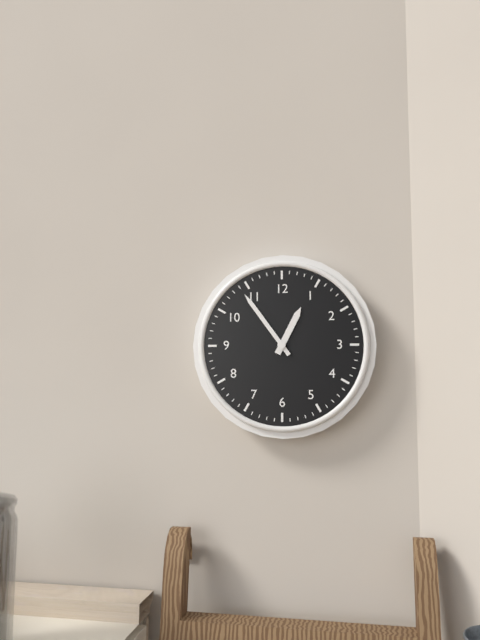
**12:54**
